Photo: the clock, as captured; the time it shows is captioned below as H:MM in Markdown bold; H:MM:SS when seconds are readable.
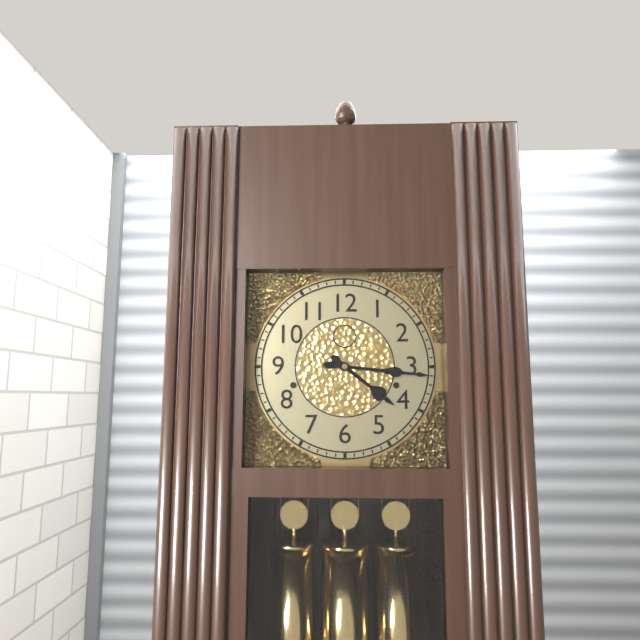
**4:16**
